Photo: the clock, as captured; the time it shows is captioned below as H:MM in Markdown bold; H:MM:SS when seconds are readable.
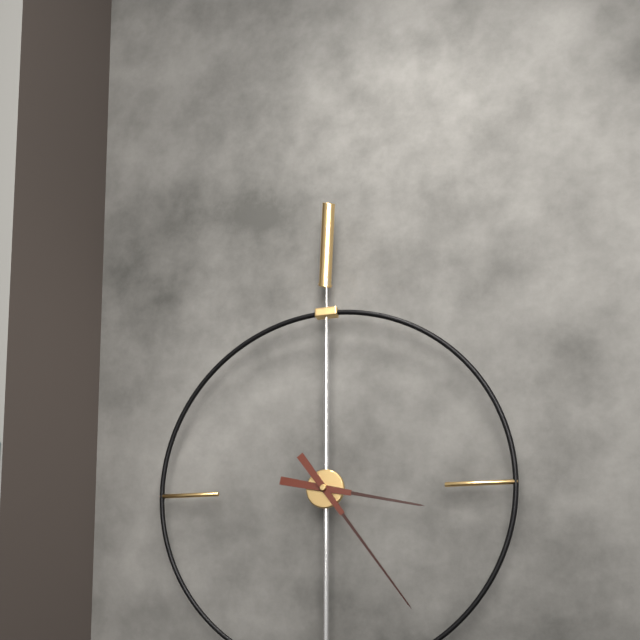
**3:24**
